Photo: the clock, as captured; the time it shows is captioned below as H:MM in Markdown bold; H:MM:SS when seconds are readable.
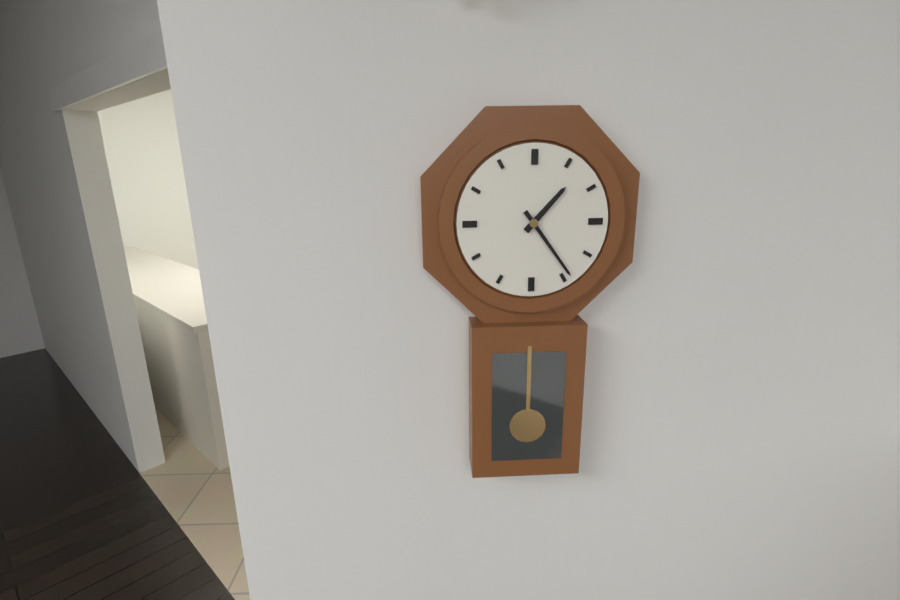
**1:24**
